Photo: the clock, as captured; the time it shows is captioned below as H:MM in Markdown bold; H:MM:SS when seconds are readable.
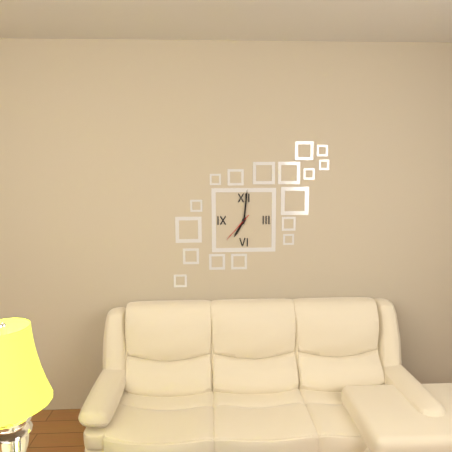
**7:01**
